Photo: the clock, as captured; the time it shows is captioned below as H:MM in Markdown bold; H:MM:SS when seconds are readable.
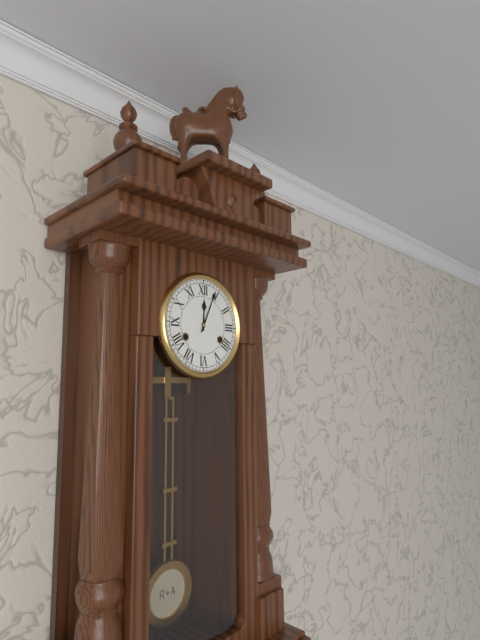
**12:04**
